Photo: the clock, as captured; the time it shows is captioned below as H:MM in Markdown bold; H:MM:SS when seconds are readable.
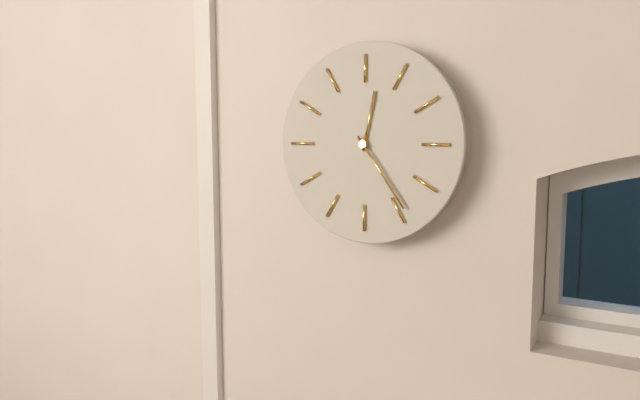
**12:24**
